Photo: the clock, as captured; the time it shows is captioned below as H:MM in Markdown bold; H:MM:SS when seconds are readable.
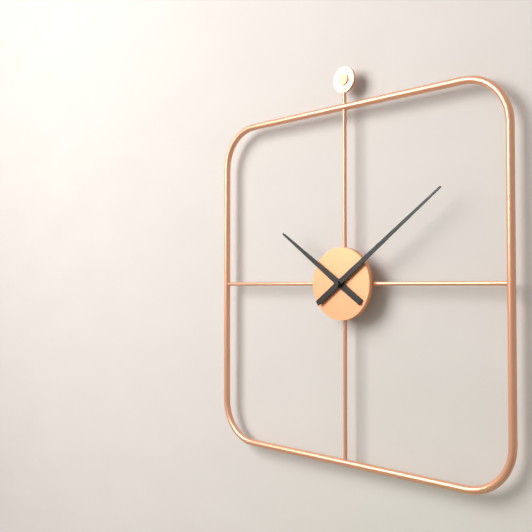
**10:09**
